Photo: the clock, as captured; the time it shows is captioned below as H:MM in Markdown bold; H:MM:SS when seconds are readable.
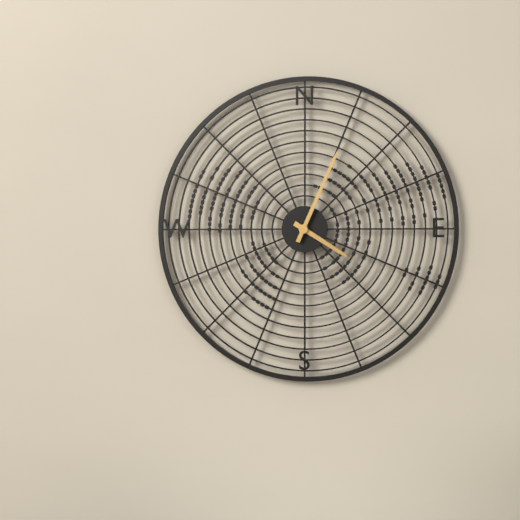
**4:04**
